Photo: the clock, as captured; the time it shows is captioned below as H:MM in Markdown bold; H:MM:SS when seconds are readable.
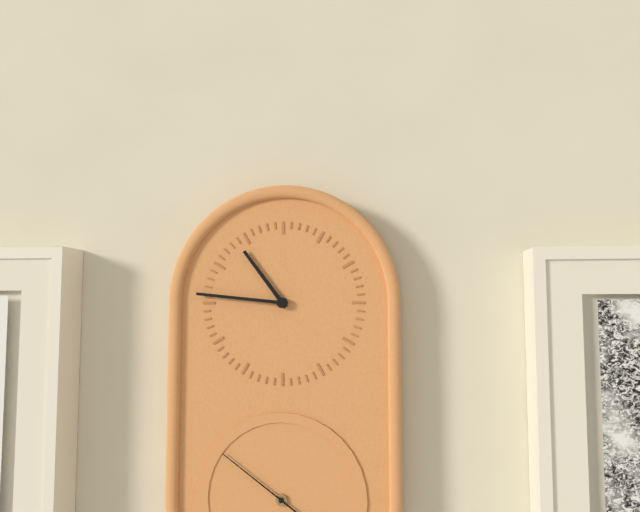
**10:46:51**
